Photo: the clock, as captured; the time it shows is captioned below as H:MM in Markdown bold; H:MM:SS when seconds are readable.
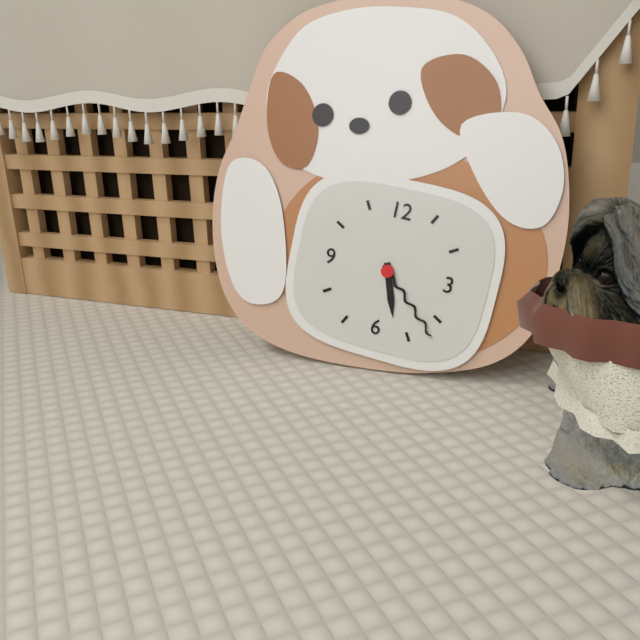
**5:22**
